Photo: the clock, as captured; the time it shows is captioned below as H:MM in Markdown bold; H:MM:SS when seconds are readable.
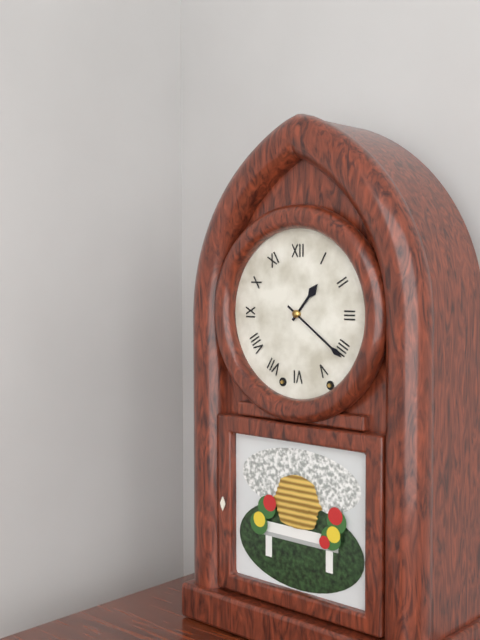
**1:21**
